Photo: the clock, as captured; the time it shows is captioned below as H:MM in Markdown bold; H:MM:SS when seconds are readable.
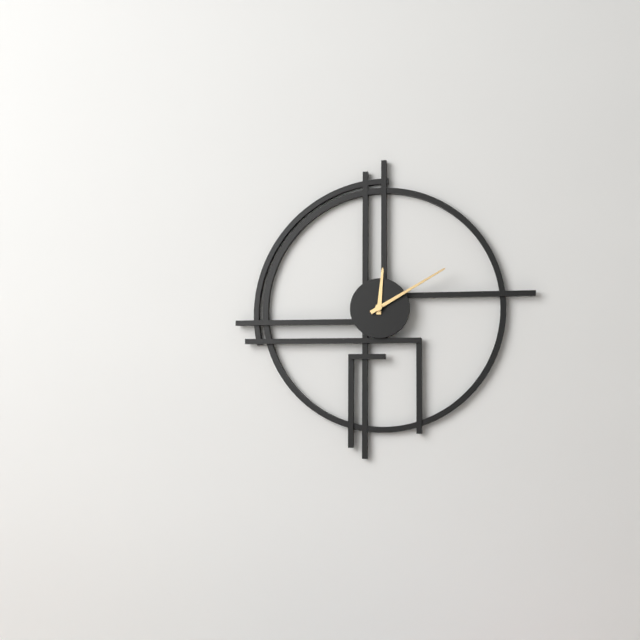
**12:10**
